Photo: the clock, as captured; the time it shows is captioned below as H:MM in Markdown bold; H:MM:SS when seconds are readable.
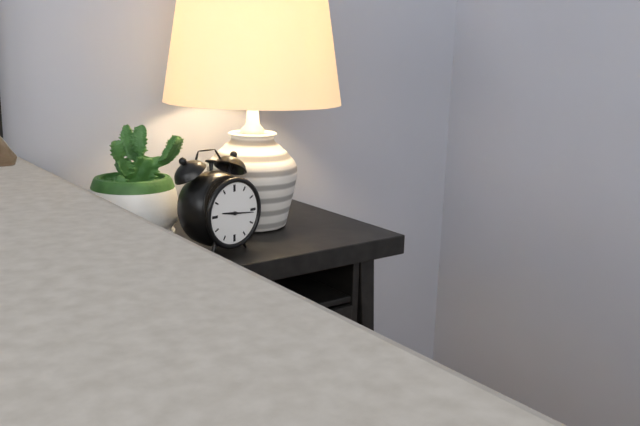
**9:16**
